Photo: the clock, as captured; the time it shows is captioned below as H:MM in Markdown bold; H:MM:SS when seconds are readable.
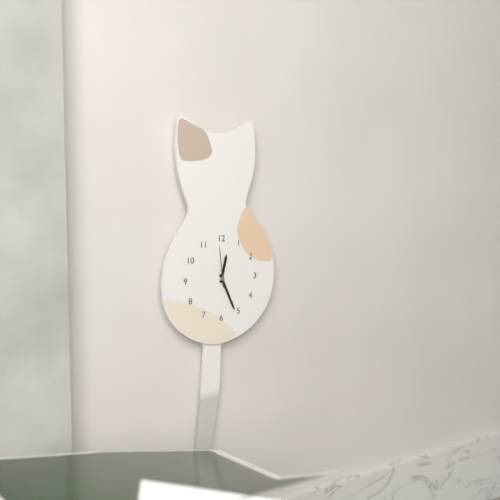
**12:26**
